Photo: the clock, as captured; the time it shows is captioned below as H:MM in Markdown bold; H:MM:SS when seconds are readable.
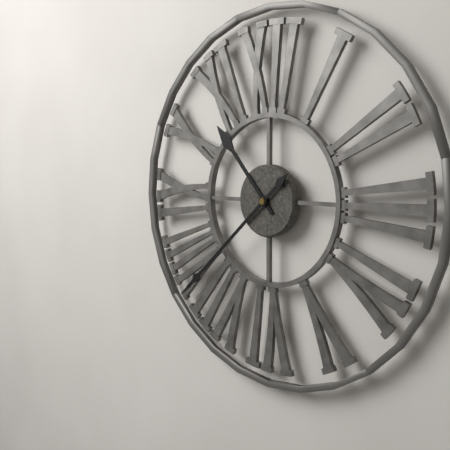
**10:38**
